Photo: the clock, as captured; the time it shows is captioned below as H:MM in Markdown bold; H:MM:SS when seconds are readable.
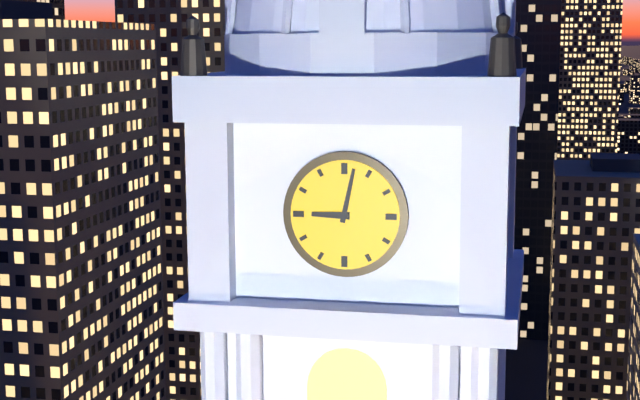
**9:02**
